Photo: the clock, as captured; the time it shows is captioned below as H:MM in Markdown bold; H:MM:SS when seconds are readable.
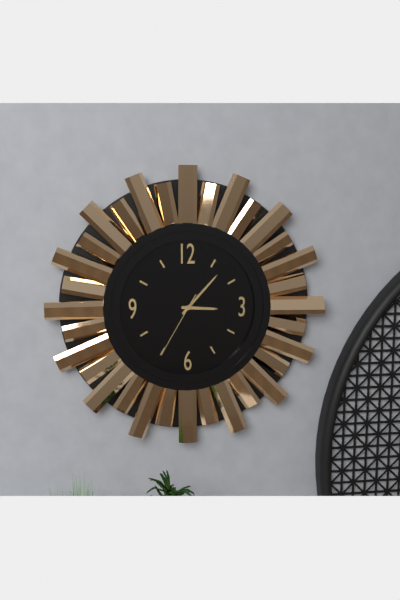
**3:07:35**
